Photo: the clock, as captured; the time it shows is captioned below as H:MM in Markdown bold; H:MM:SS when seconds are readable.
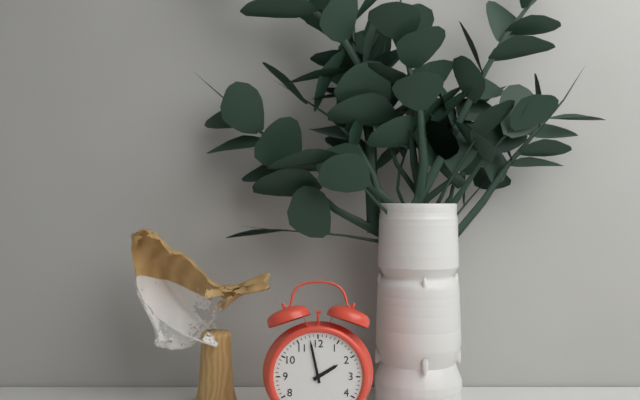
**1:58**
